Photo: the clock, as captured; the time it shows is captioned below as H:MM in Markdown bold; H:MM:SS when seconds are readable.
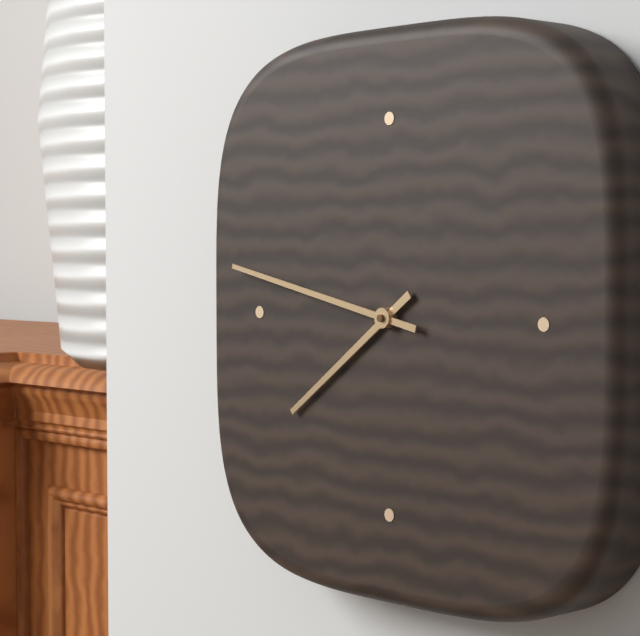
**7:47**
